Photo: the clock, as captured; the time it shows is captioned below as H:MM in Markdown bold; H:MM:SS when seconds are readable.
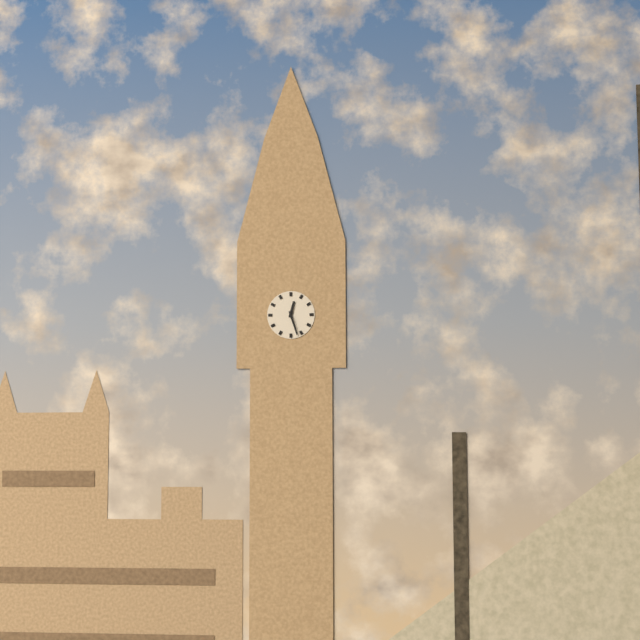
**12:27**
